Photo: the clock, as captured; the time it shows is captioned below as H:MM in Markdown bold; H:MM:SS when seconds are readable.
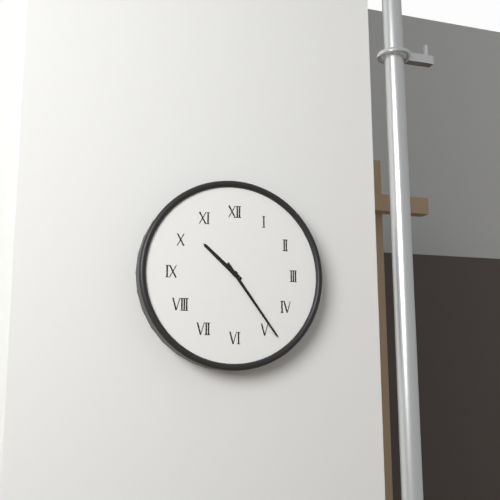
**10:24**
